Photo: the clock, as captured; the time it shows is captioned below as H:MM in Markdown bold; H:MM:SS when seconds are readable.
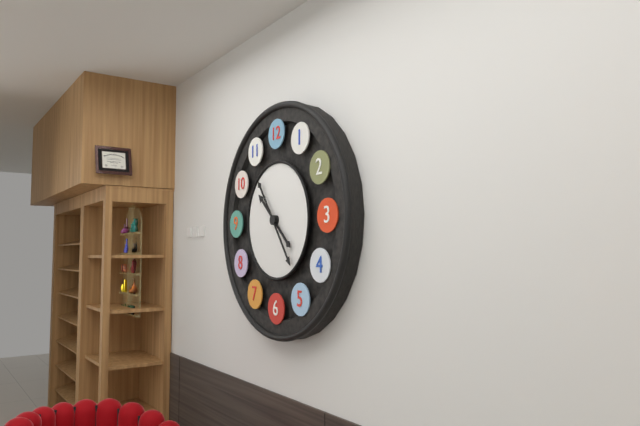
**10:24**
